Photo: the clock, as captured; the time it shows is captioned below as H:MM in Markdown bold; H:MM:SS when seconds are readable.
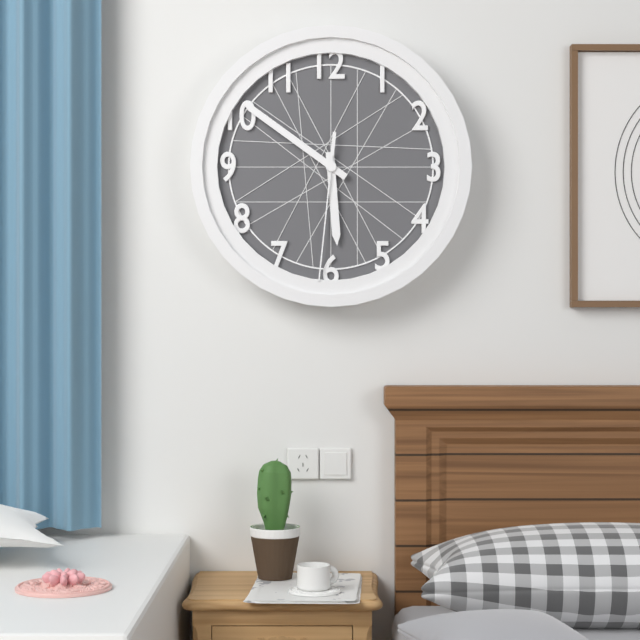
**5:51:31**
